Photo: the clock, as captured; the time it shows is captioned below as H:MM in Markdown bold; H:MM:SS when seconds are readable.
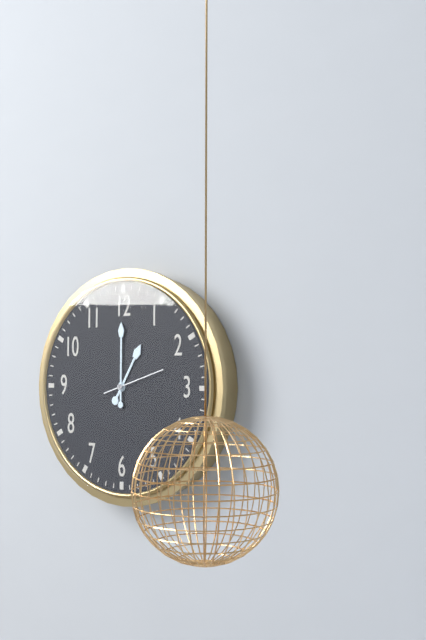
**1:00:12**
